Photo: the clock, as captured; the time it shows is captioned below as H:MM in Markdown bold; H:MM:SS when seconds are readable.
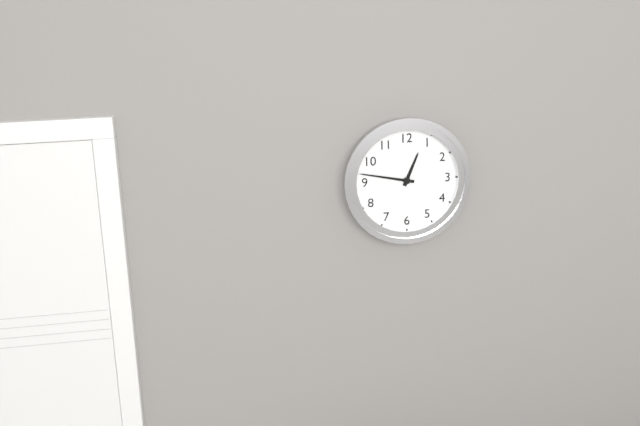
**12:47**
